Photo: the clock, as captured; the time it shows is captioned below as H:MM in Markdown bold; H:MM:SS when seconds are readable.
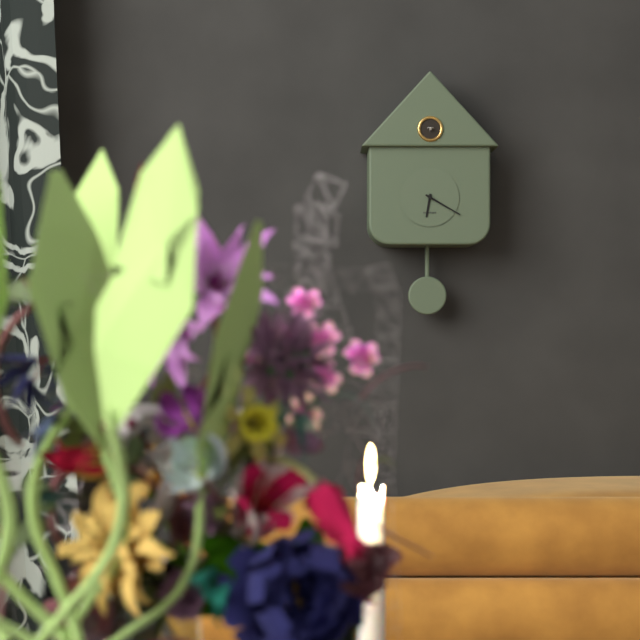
**6:20**
